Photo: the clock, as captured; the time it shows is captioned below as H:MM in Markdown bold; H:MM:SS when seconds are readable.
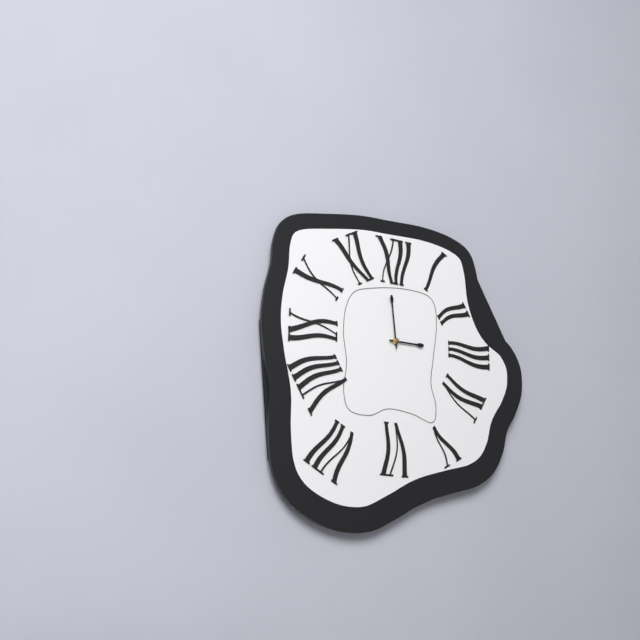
**2:59**
